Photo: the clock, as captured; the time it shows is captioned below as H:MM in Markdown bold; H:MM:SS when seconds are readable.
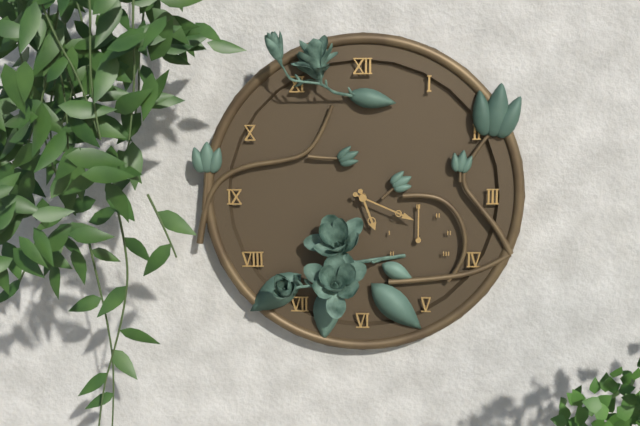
**5:19**
